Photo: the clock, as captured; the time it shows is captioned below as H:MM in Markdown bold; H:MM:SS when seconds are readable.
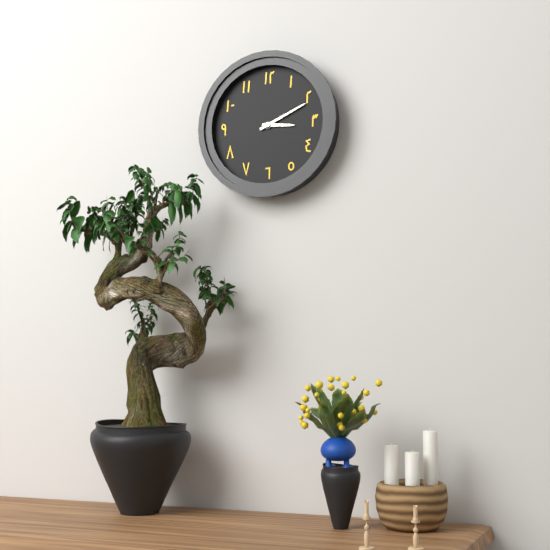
**3:11**
